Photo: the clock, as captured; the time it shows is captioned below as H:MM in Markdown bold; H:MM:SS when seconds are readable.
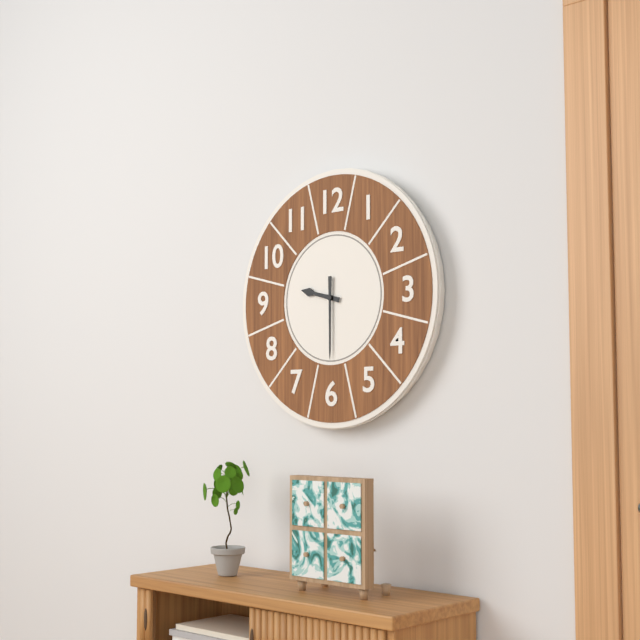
**9:30**
